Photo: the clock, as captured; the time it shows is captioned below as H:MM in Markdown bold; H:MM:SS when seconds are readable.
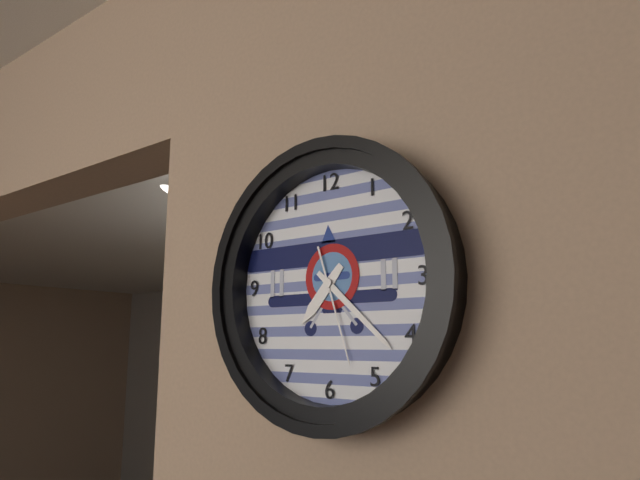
**7:22:27**
